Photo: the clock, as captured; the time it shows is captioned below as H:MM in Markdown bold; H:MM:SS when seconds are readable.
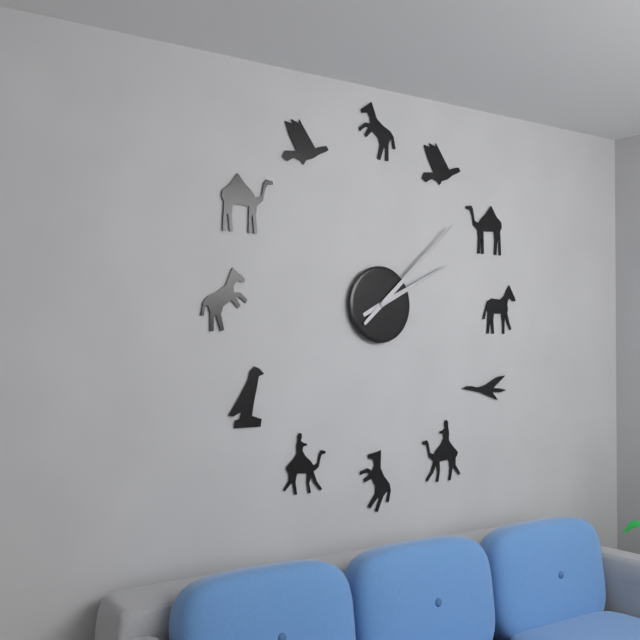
**2:08**
